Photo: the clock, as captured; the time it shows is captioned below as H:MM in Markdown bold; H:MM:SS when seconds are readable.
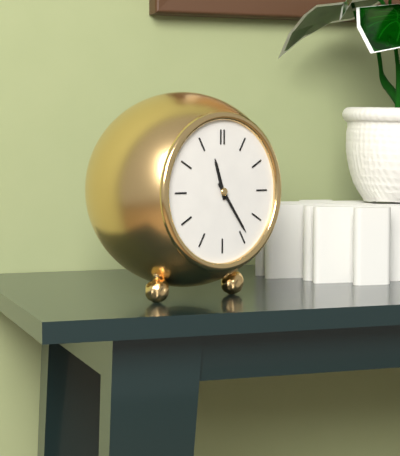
**11:24**
